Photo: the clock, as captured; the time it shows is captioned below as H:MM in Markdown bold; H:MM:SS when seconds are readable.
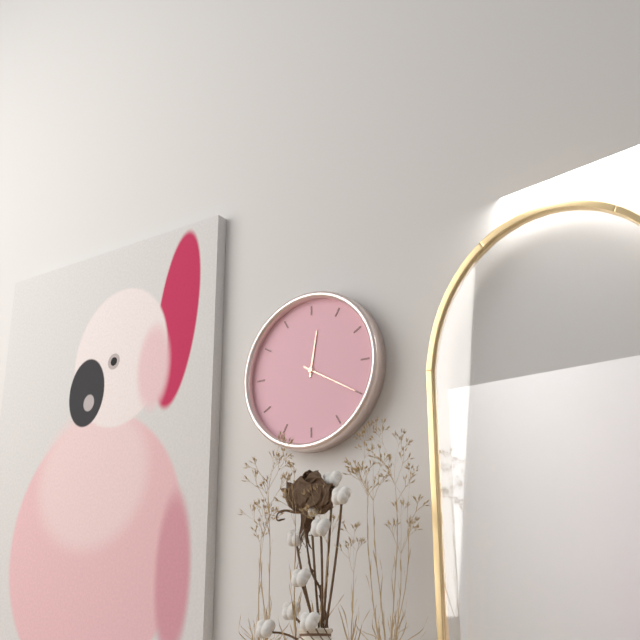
**12:20**
